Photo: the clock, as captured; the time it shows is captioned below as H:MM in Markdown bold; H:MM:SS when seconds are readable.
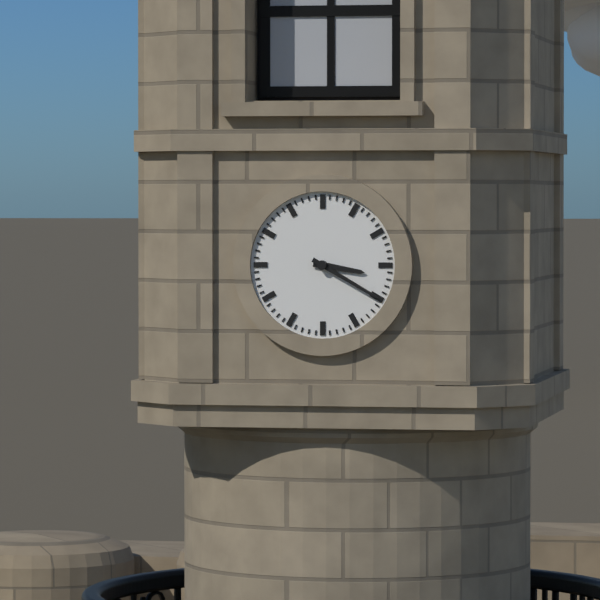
**3:20**
